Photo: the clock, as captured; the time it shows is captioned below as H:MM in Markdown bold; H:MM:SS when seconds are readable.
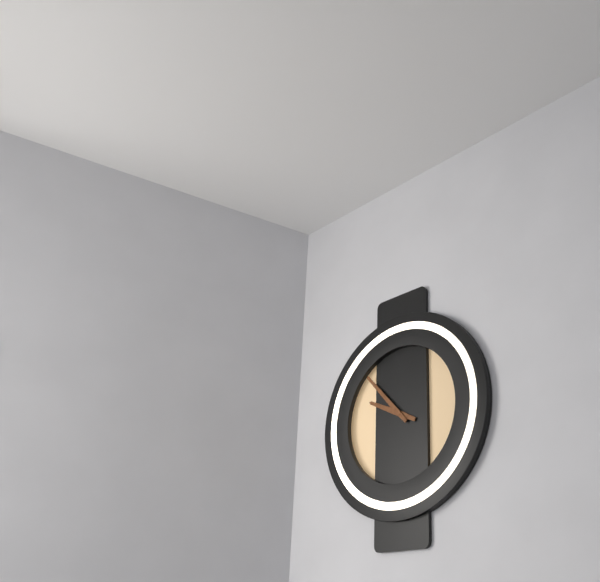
**9:53**
